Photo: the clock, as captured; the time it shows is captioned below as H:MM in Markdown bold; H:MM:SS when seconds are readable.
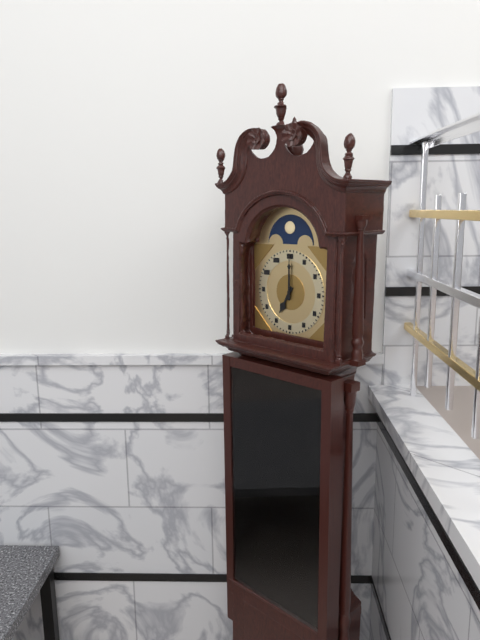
**7:00**
